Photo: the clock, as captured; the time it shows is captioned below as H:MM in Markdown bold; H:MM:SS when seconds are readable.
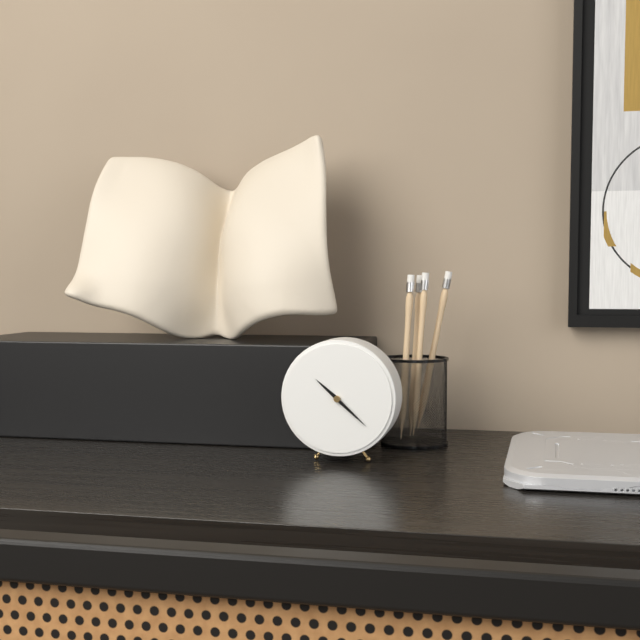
**10:22**
